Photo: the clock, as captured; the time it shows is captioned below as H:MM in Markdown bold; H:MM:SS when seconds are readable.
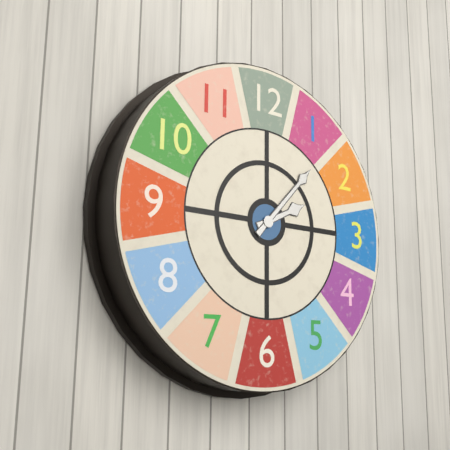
**2:07**
